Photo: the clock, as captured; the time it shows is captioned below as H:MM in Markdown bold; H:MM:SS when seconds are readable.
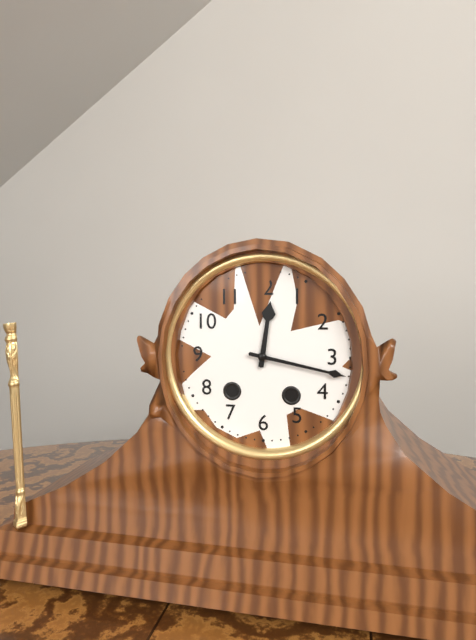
**12:17**
